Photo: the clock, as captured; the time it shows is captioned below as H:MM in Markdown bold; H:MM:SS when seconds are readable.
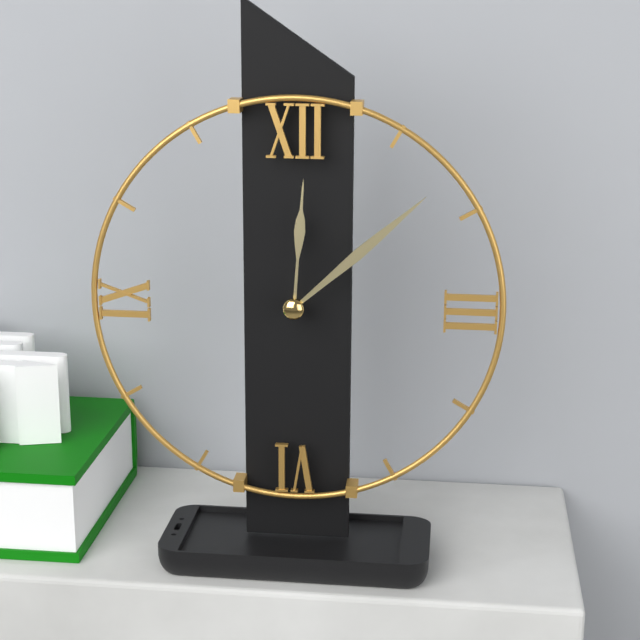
**12:08**
